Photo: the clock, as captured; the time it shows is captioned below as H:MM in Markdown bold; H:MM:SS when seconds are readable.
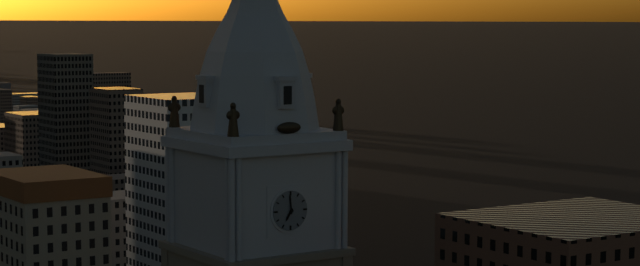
**6:59**
